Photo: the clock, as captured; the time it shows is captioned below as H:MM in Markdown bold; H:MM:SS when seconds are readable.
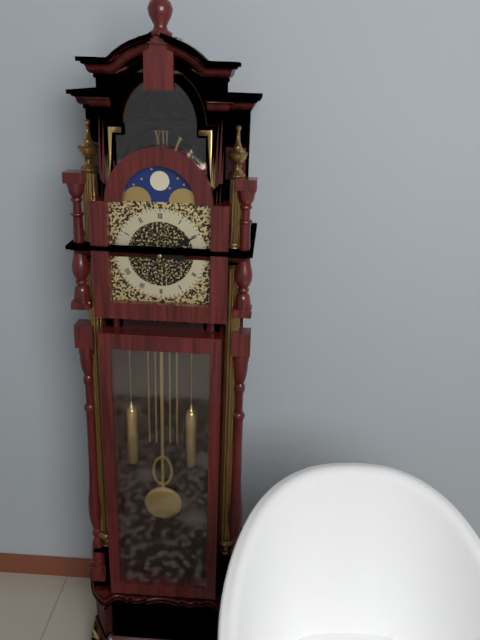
**3:10**
